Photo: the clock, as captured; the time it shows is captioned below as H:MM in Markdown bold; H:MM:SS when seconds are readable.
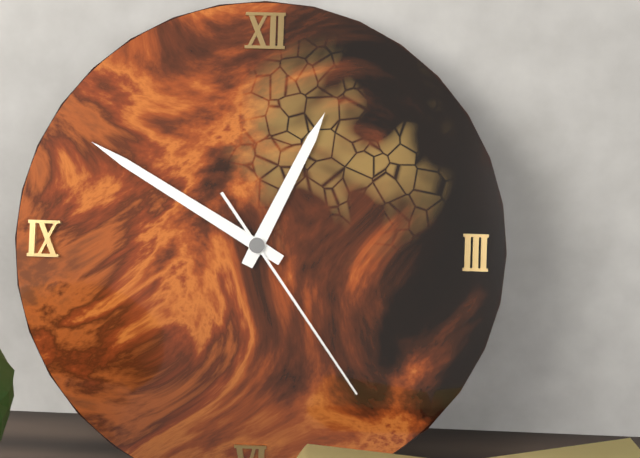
**12:50:24**
